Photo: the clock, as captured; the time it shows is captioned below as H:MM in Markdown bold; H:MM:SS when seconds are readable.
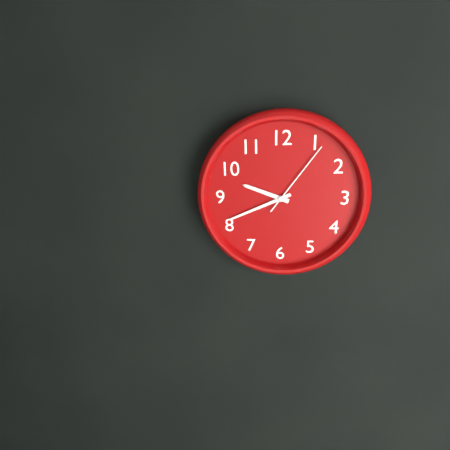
**9:41:06**
